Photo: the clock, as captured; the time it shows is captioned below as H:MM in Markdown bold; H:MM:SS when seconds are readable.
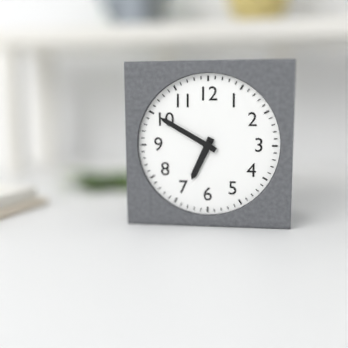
**6:50**
